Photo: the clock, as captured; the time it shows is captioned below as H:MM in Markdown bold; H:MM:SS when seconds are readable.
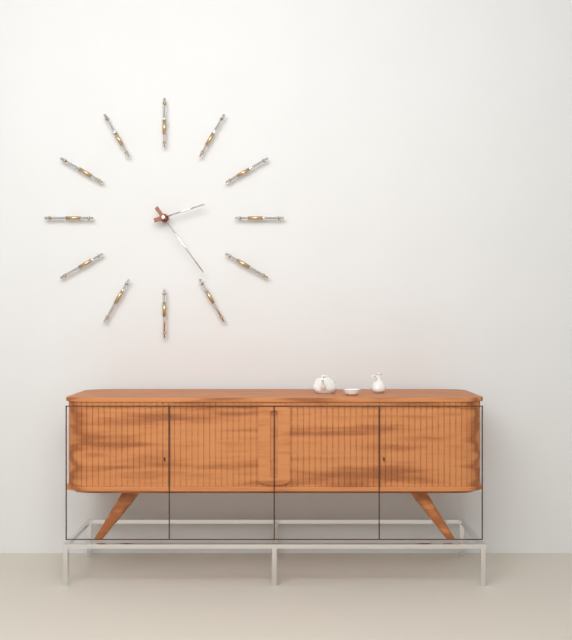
**2:24**
